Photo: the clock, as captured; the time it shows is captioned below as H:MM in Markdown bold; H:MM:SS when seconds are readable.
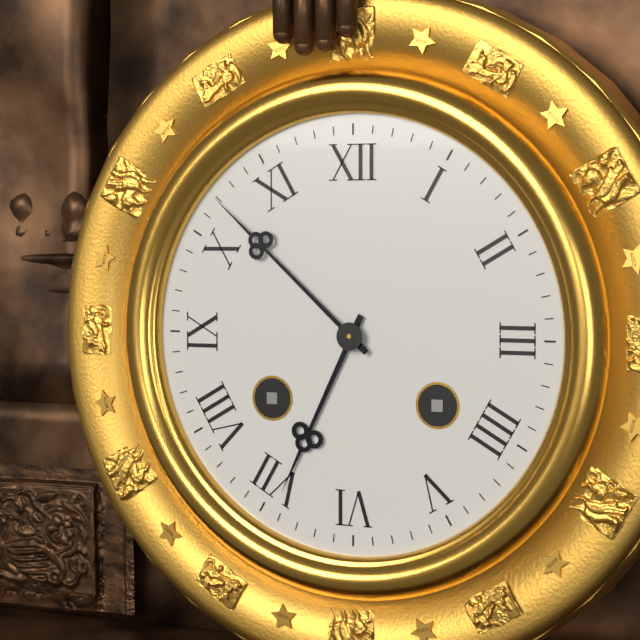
**6:52**
